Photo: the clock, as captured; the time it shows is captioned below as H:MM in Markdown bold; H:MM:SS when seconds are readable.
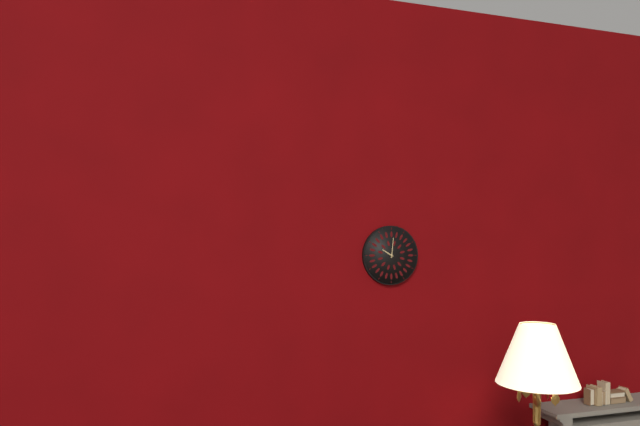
**10:01**
